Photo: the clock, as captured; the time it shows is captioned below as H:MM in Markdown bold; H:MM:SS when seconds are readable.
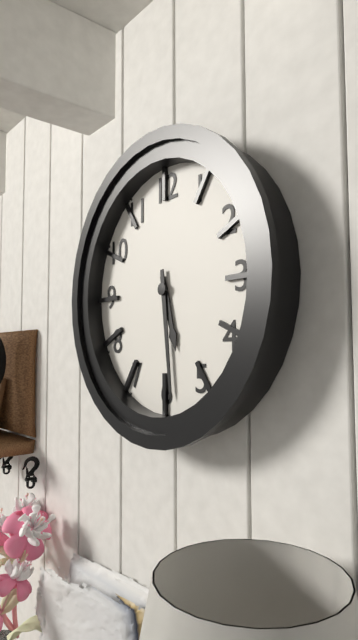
**5:29**
